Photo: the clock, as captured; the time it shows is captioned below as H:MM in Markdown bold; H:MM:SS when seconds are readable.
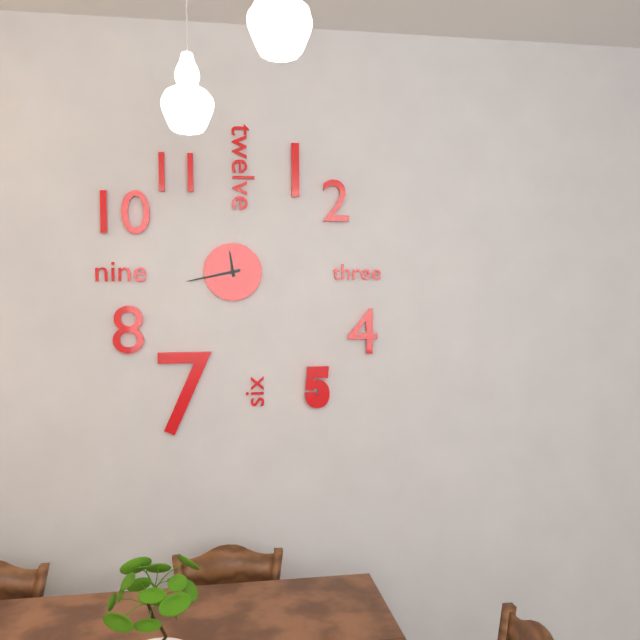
**11:43**
